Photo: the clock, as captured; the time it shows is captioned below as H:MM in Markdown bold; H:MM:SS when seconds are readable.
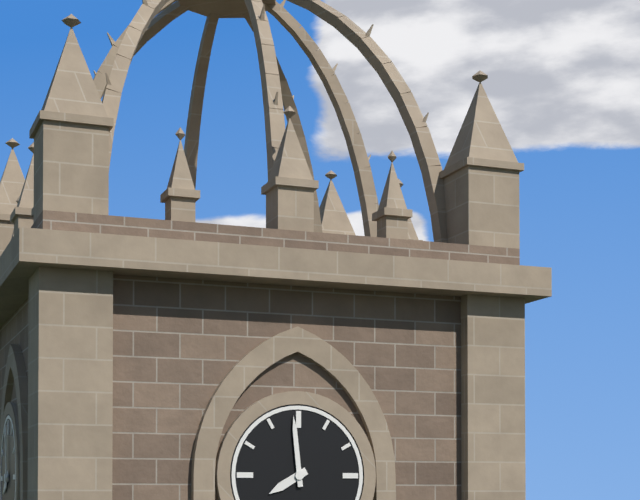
**7:59**
